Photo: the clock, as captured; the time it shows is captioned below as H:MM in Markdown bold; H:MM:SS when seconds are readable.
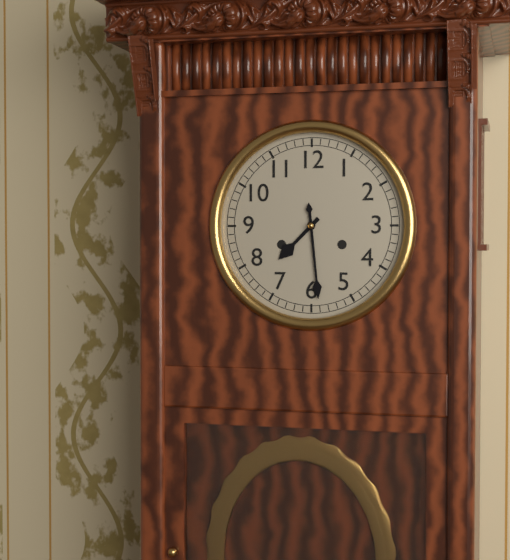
**7:29**
